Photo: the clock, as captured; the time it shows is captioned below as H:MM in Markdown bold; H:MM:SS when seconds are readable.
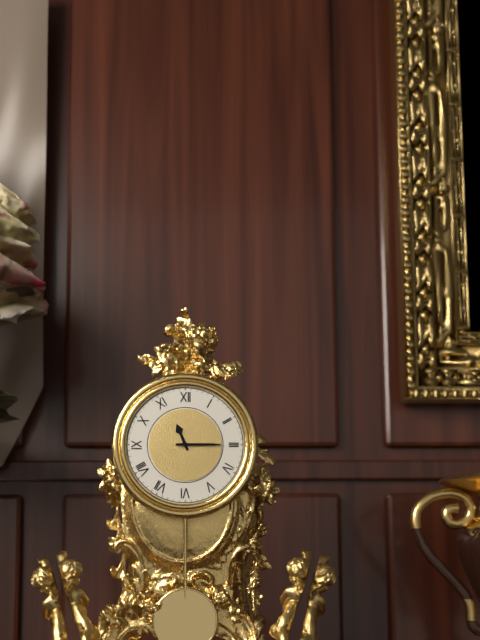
**11:15**
